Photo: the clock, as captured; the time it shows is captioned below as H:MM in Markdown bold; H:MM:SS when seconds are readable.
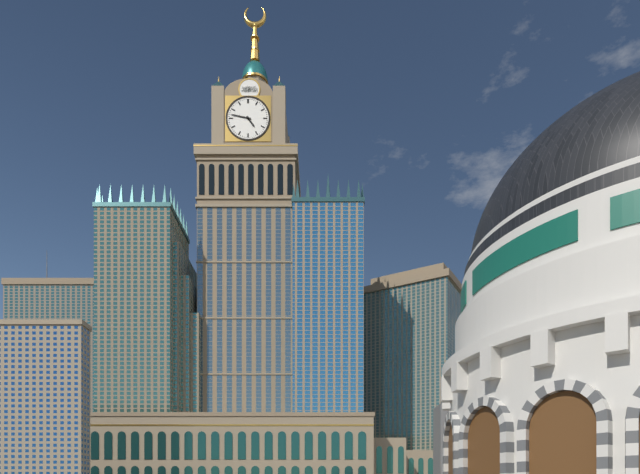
**4:47**
